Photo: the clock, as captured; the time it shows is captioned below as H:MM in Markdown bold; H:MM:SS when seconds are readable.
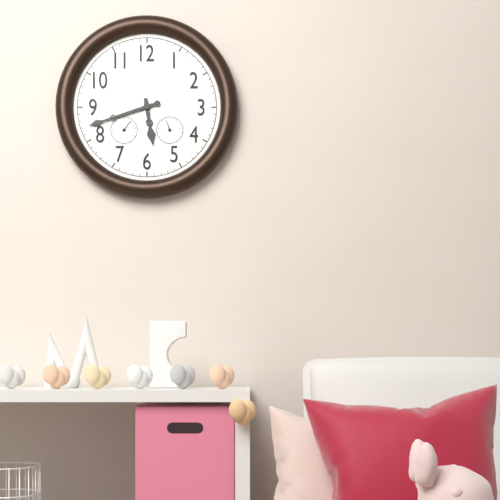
**5:42**
